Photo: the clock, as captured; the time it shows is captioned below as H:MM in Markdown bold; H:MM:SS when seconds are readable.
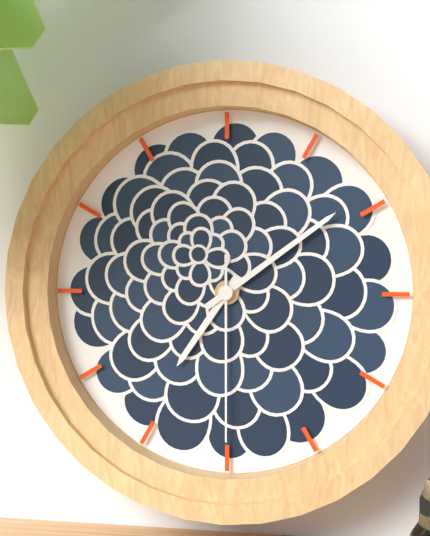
**7:09:30**
